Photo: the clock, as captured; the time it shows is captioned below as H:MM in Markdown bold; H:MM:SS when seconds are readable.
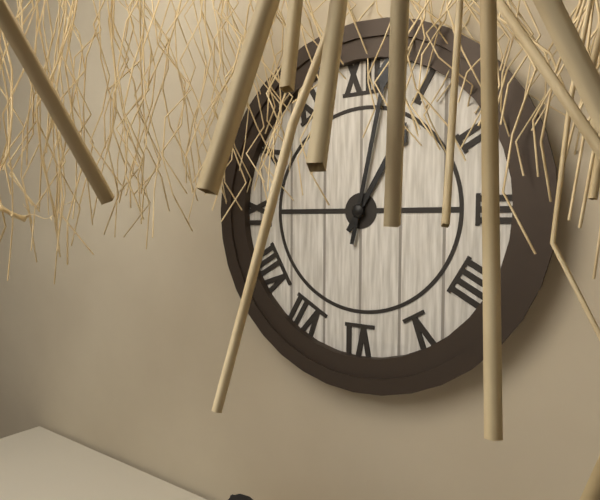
**1:02**
